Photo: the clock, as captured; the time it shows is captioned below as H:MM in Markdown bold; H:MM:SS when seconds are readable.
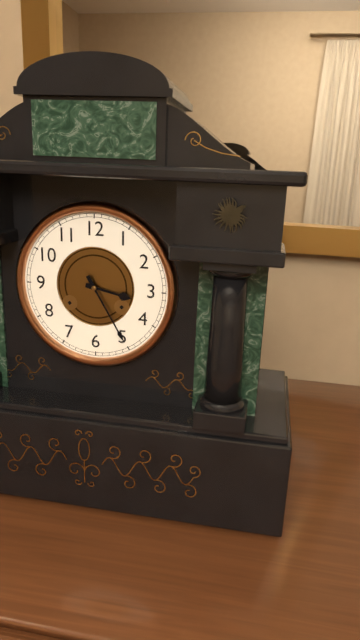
**3:25**
